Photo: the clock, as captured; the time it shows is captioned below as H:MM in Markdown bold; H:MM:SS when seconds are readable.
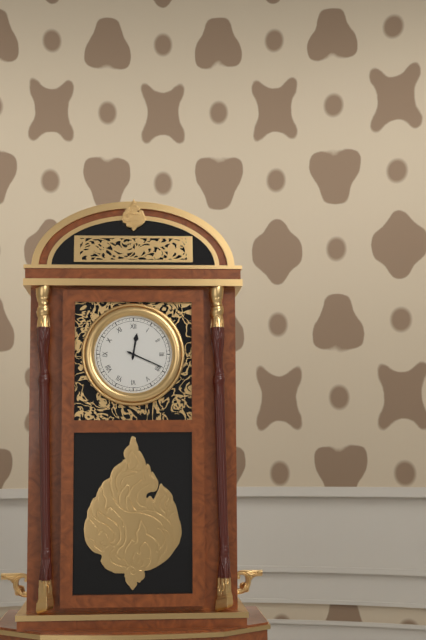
**12:19**
